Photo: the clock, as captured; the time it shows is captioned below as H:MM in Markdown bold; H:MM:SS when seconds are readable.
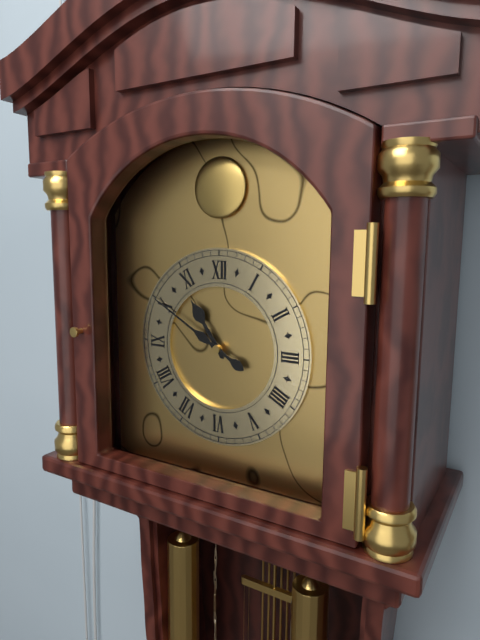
**10:50**
